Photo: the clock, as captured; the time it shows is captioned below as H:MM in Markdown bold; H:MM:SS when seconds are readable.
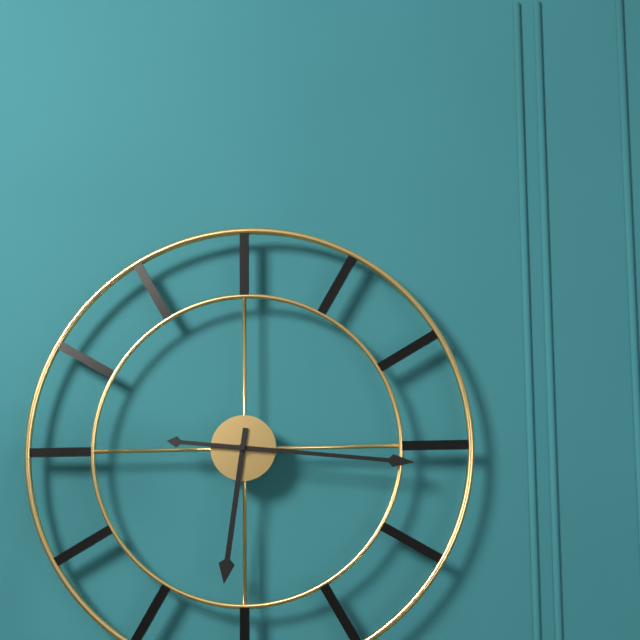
**6:16**
